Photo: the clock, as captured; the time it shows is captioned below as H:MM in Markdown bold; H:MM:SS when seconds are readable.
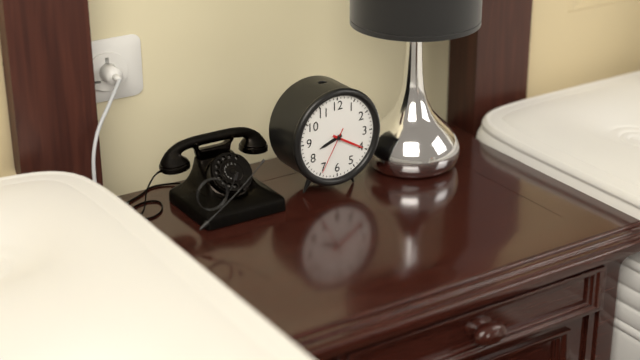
**8:20**
